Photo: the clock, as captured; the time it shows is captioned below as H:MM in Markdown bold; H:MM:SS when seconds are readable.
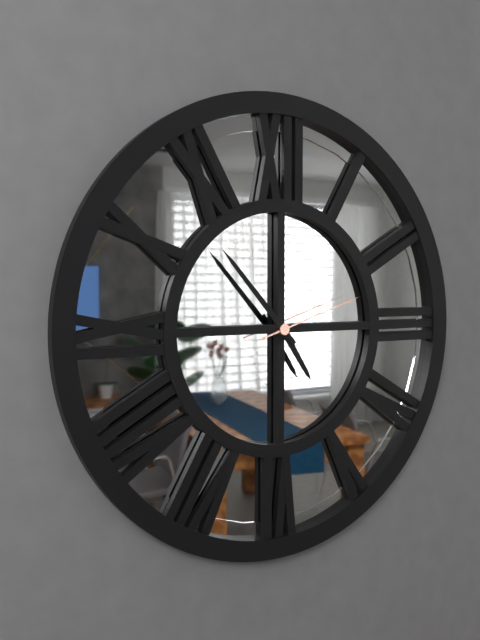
**4:53:12**
